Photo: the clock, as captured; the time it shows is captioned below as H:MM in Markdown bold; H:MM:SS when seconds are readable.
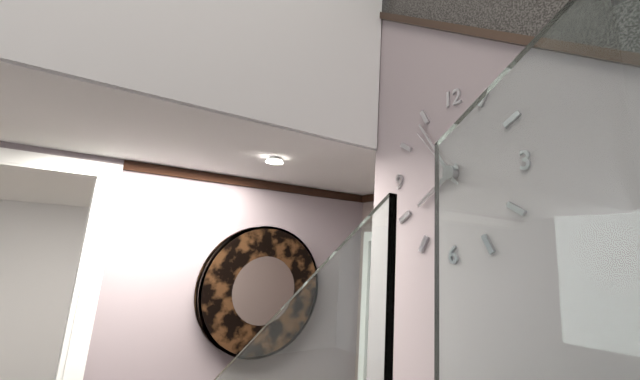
**7:54:53**
